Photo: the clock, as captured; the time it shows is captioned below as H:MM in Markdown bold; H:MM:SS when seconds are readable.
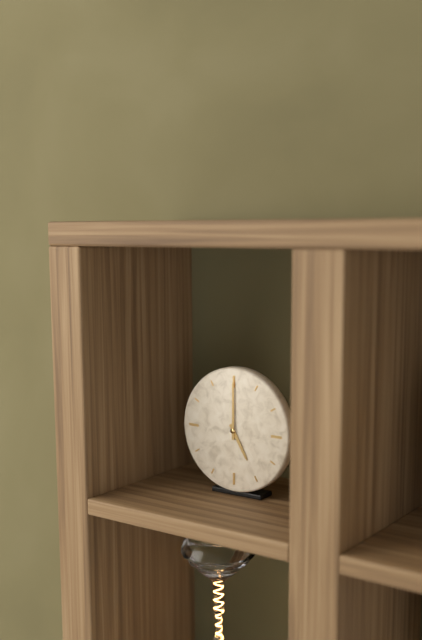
**5:00**
